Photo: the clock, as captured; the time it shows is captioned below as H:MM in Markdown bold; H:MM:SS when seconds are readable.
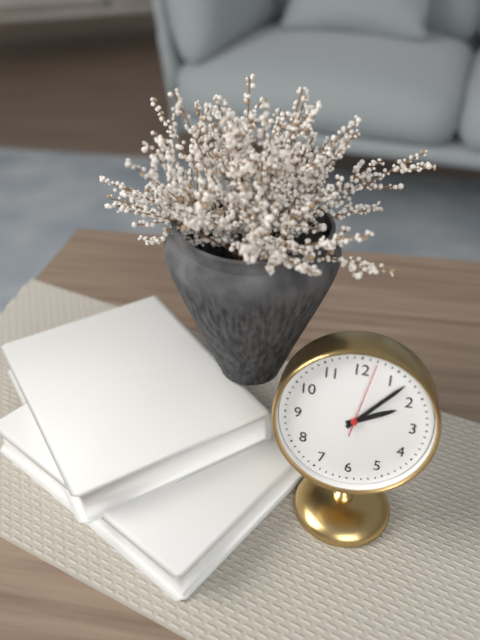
**2:07:02**
